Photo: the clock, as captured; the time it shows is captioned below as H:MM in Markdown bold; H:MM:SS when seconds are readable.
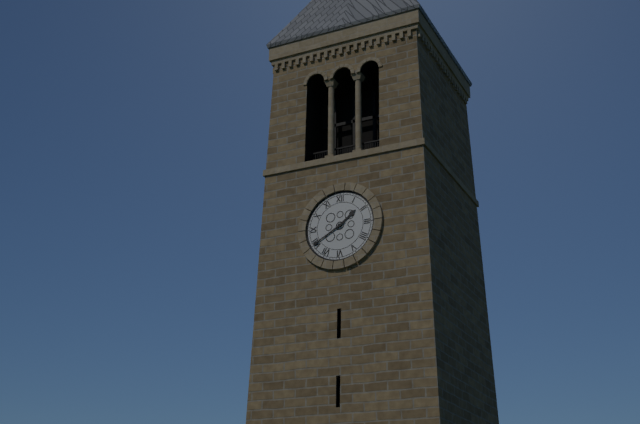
**1:40**
